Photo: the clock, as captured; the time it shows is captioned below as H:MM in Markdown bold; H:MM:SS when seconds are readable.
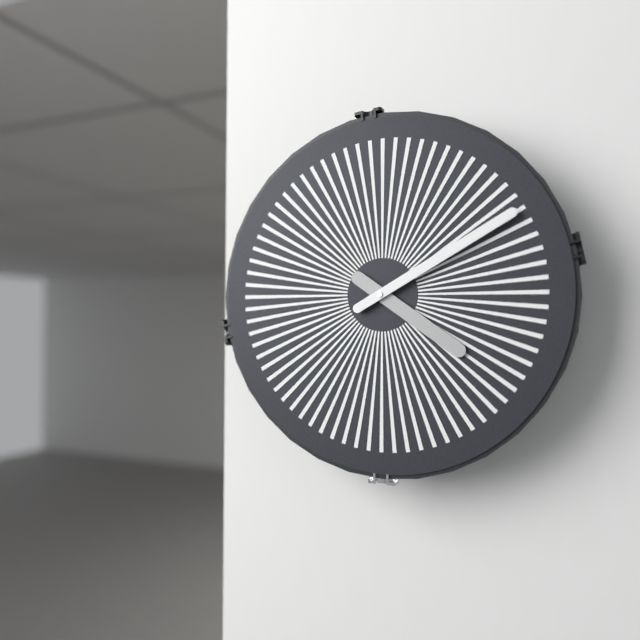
**4:10**
